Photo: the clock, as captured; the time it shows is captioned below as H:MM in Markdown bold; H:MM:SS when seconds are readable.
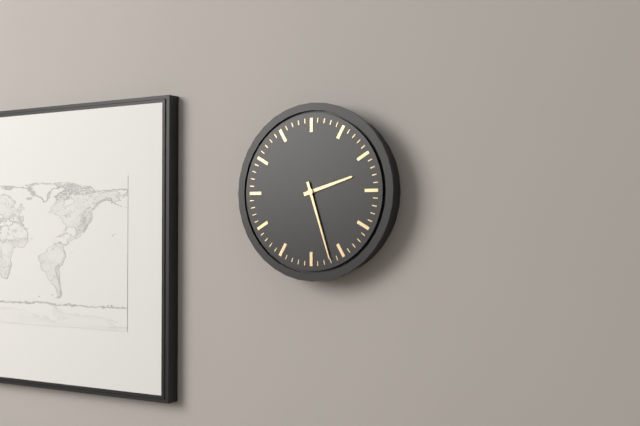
**2:27**
